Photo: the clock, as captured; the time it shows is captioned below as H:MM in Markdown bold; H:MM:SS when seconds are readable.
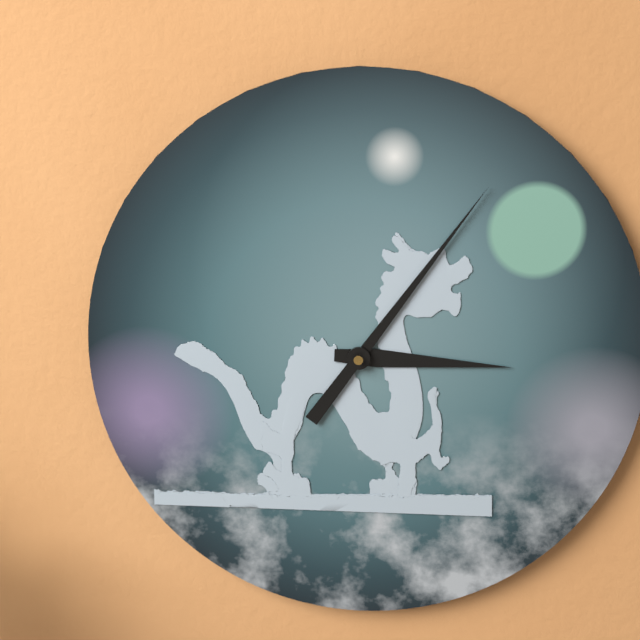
**3:06**
